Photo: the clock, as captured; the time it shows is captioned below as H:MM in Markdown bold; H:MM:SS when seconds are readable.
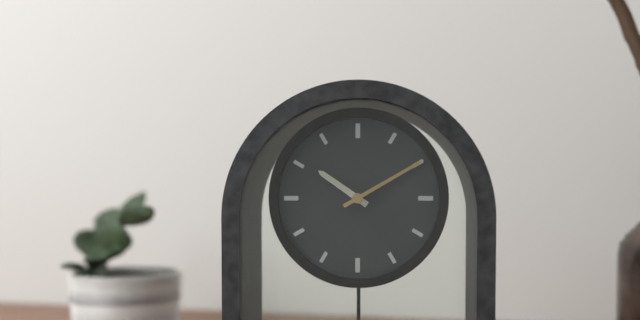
**10:10**
